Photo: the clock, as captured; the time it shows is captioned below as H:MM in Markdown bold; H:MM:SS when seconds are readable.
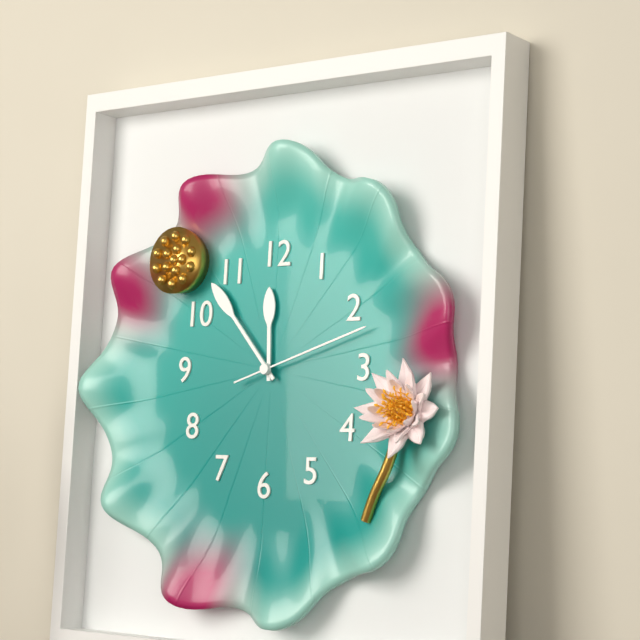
**11:53:12**
